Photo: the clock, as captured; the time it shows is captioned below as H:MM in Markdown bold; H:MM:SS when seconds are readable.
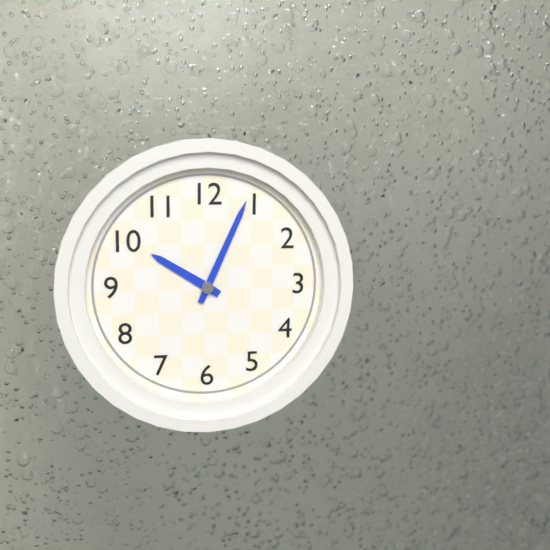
**10:04**
